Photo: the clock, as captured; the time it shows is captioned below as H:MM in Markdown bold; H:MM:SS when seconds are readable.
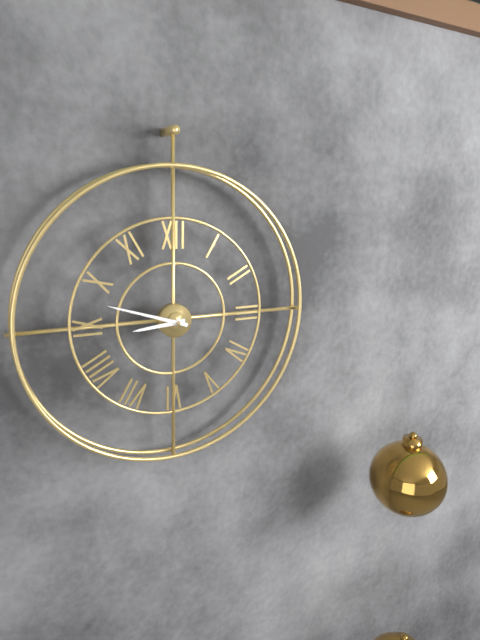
**8:48**
